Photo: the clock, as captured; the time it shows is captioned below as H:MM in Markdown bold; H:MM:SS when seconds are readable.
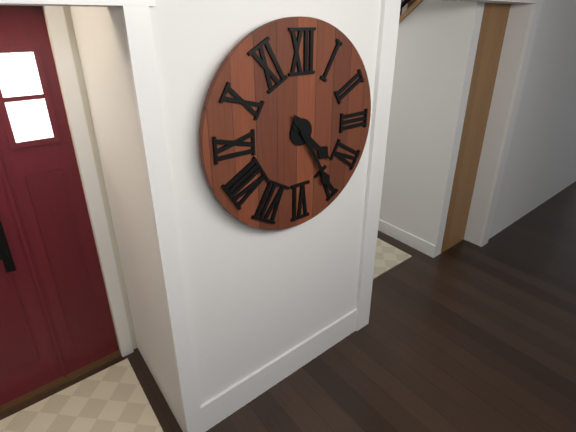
**4:25**
